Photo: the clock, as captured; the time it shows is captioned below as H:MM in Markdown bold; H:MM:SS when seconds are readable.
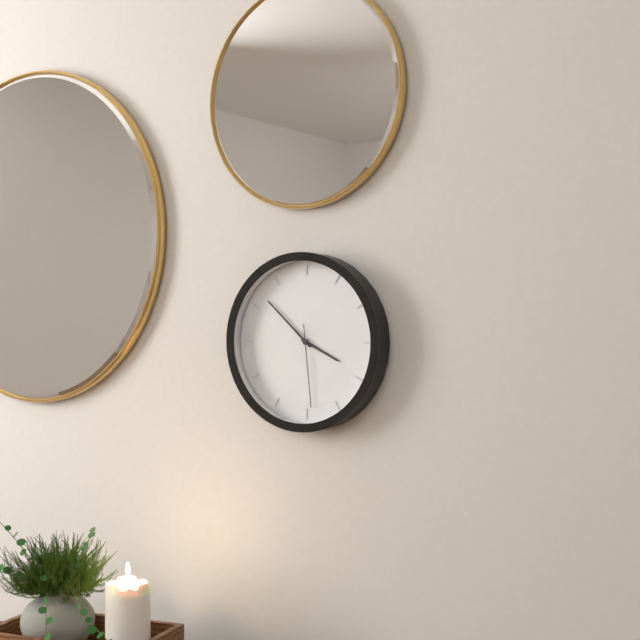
**3:52:29**
